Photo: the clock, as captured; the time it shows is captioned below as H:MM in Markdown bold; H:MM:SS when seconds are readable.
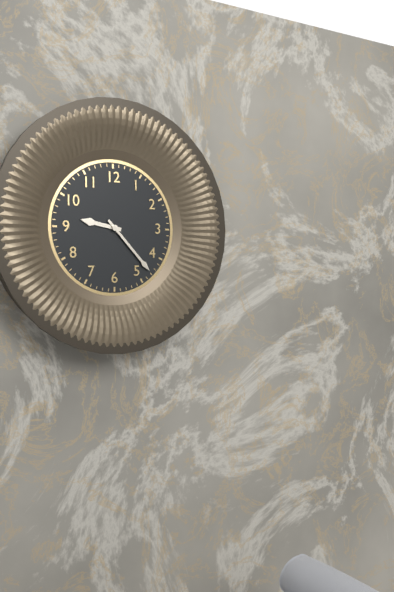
**9:23**
